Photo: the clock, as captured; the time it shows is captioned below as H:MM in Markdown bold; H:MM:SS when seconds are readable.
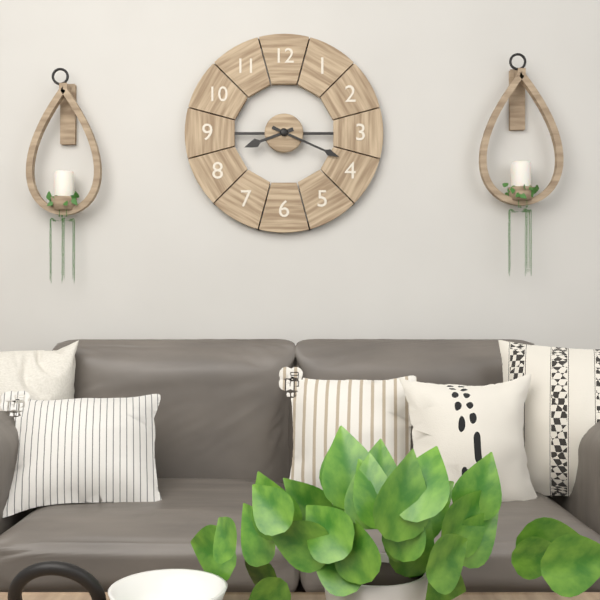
**8:19**
